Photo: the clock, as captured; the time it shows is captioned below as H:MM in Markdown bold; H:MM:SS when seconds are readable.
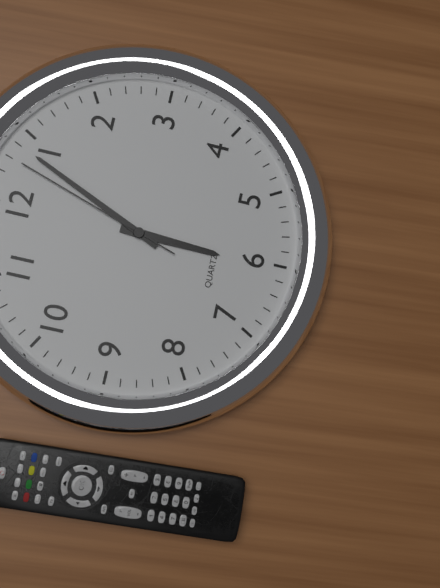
**6:04:03**
